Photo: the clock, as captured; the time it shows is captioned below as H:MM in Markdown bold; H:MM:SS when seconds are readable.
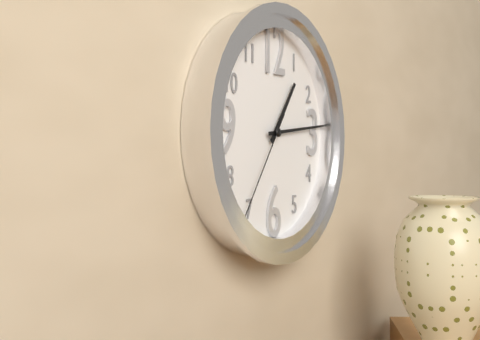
**1:14:36**
